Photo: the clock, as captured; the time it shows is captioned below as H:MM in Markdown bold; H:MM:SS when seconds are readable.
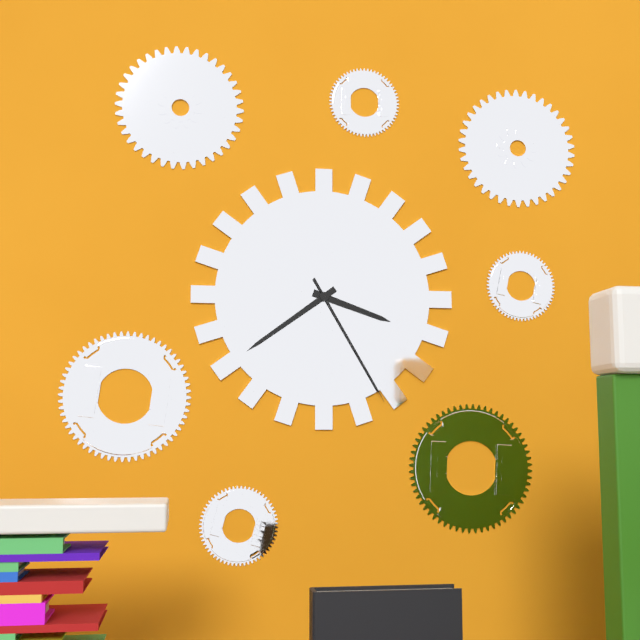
**3:39:25**
